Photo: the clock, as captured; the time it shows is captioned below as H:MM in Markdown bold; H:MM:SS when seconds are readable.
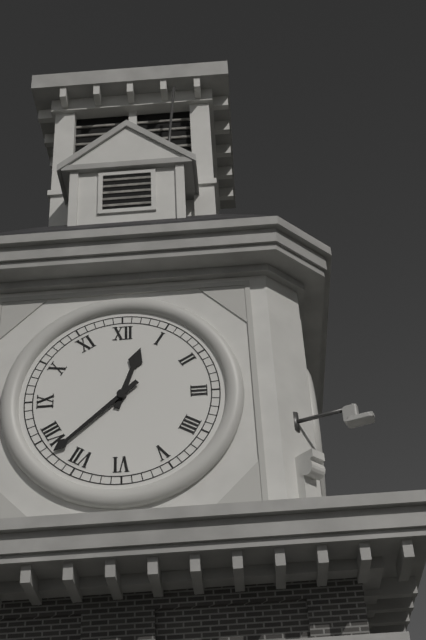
**12:38**
